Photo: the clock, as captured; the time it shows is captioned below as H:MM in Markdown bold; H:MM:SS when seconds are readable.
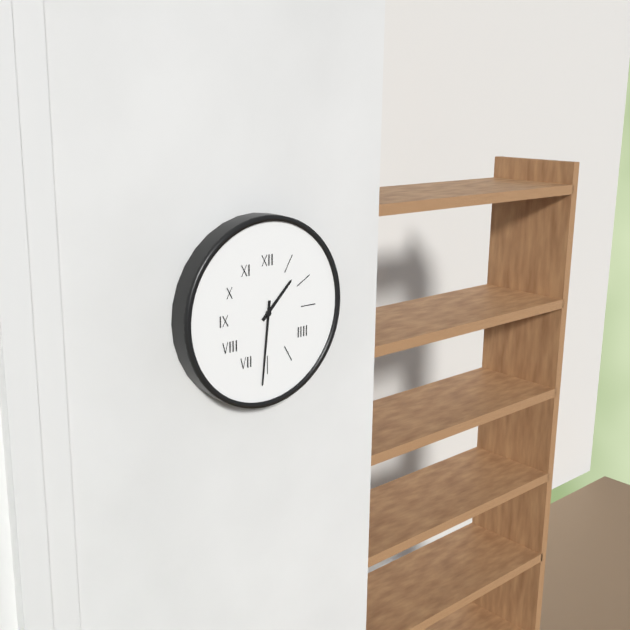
**1:31**
